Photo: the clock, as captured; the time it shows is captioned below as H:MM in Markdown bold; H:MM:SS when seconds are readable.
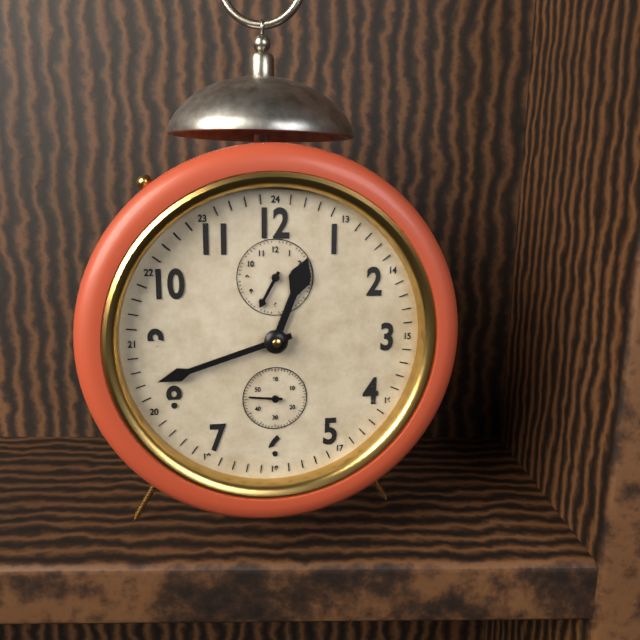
**12:42**
